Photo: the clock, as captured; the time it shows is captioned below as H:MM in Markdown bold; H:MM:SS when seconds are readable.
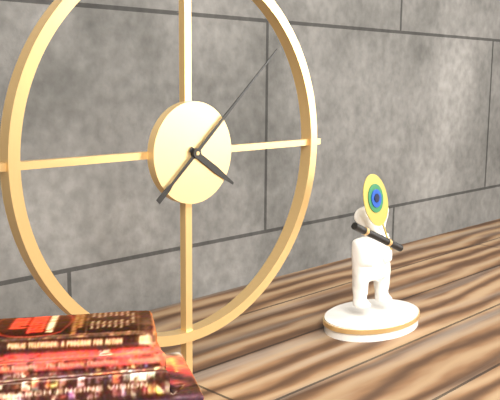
**4:08**
